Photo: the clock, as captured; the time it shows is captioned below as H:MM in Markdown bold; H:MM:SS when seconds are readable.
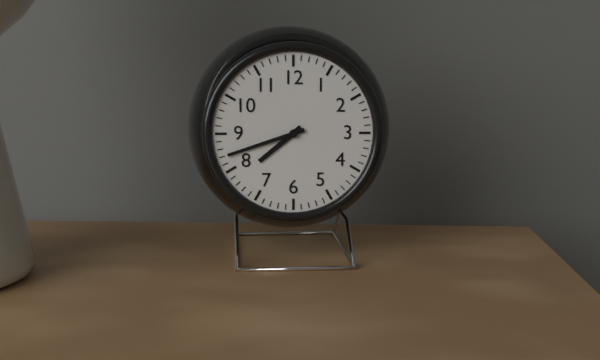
**7:42**
